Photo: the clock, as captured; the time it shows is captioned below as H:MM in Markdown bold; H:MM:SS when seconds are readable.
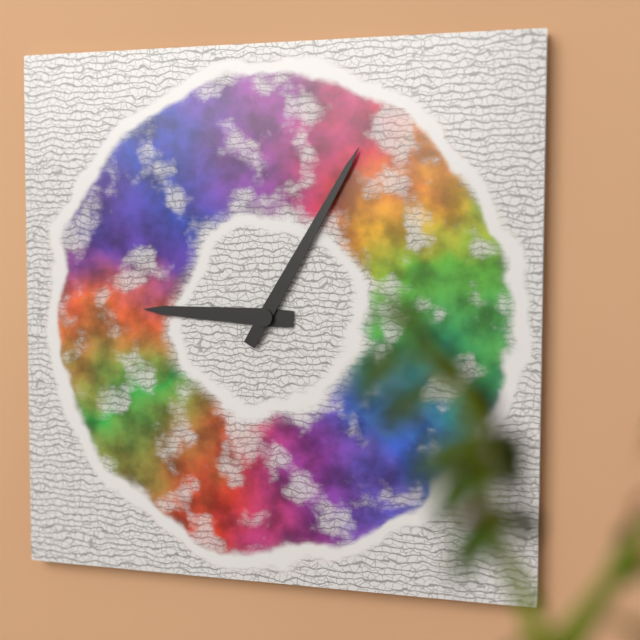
**9:05**
